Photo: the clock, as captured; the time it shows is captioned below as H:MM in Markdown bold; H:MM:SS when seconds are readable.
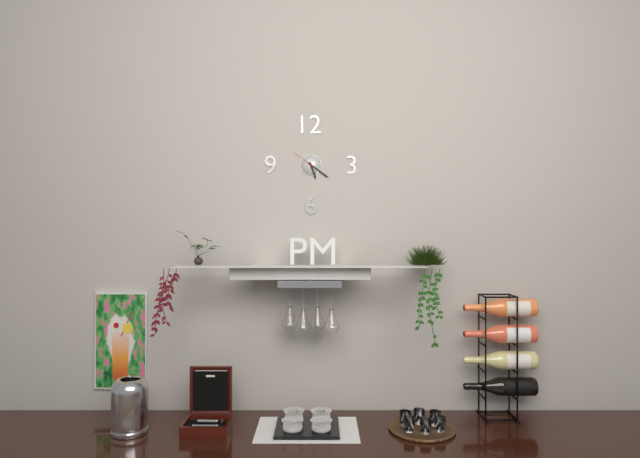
**5:21**
